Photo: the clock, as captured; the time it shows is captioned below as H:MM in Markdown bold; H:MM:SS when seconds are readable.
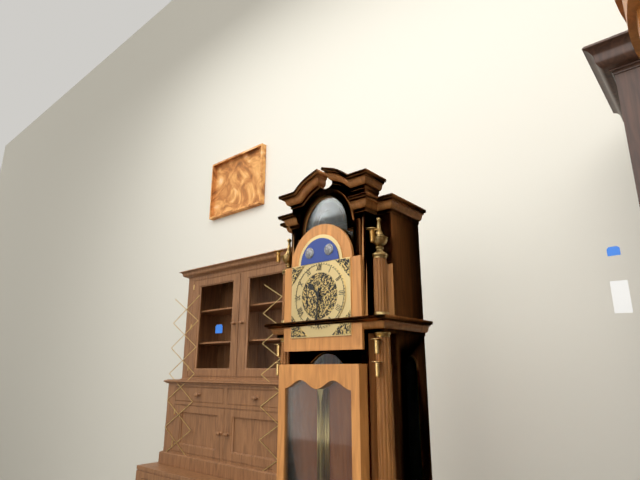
**10:31**
